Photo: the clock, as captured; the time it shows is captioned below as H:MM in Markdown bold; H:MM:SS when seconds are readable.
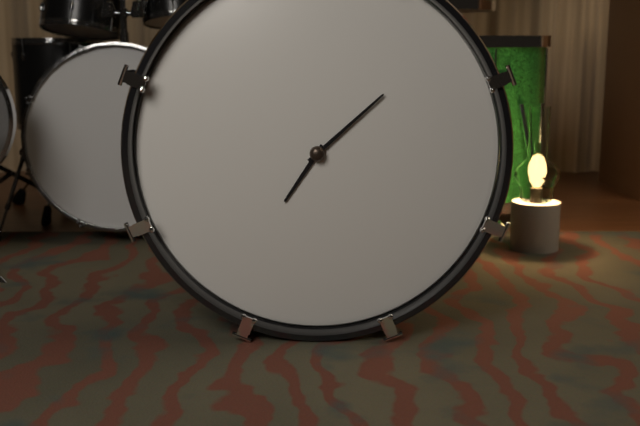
**7:08**
